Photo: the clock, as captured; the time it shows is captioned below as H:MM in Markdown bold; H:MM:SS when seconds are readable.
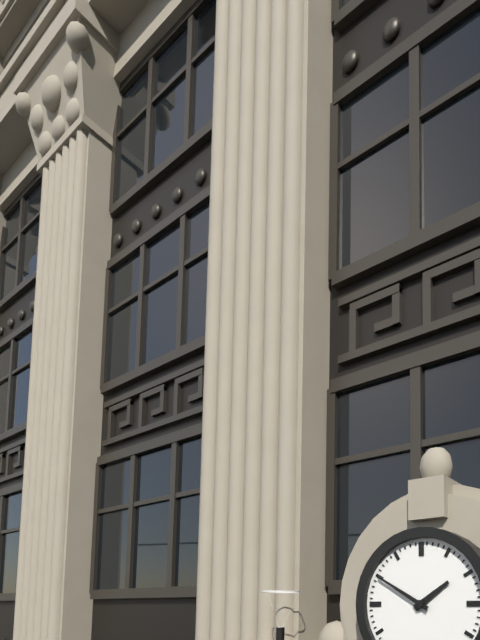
**1:50**
